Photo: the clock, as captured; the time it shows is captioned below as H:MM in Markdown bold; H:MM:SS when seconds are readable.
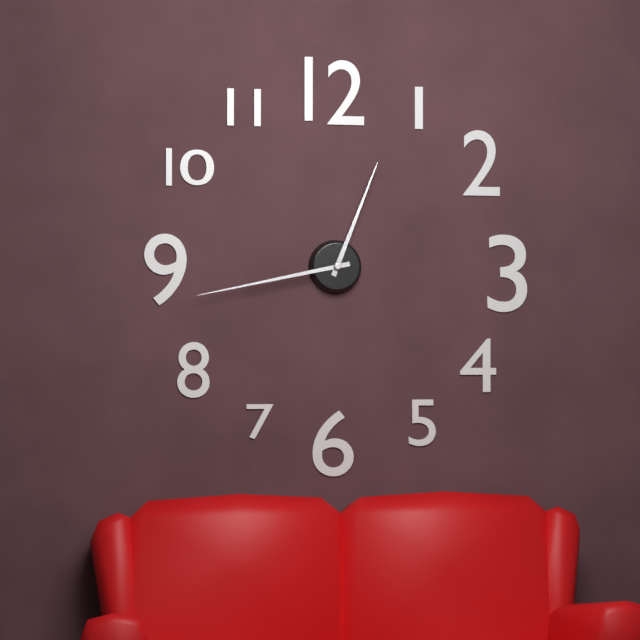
**12:43**
